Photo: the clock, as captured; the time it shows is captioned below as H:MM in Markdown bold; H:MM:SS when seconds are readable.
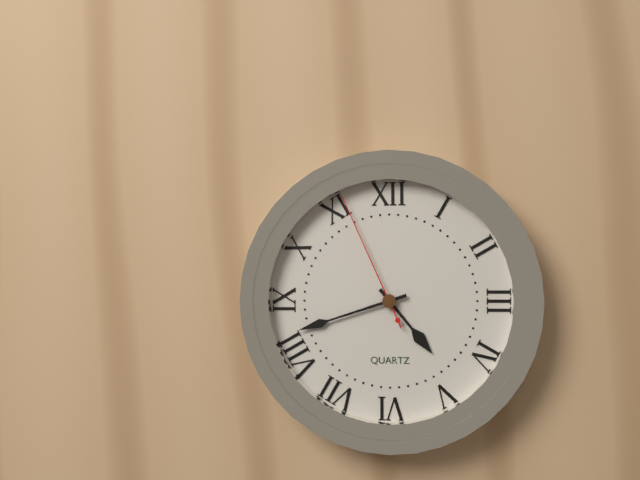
**4:42:56**
